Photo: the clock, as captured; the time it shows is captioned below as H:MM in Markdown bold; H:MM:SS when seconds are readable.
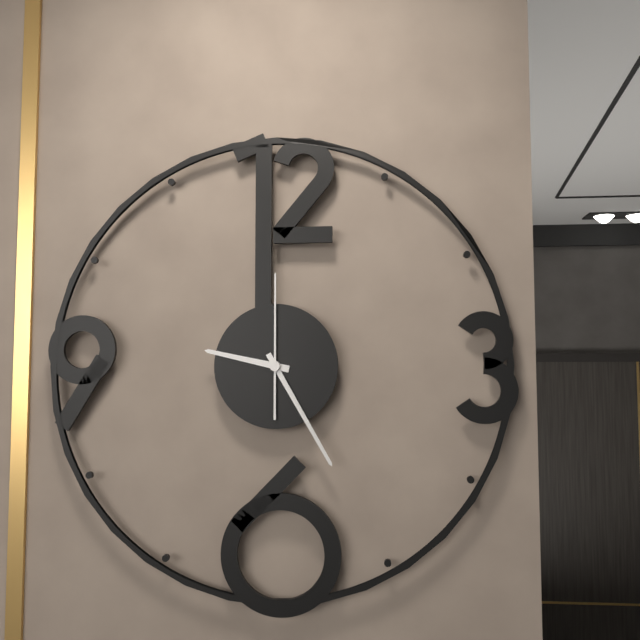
**9:25:00**
